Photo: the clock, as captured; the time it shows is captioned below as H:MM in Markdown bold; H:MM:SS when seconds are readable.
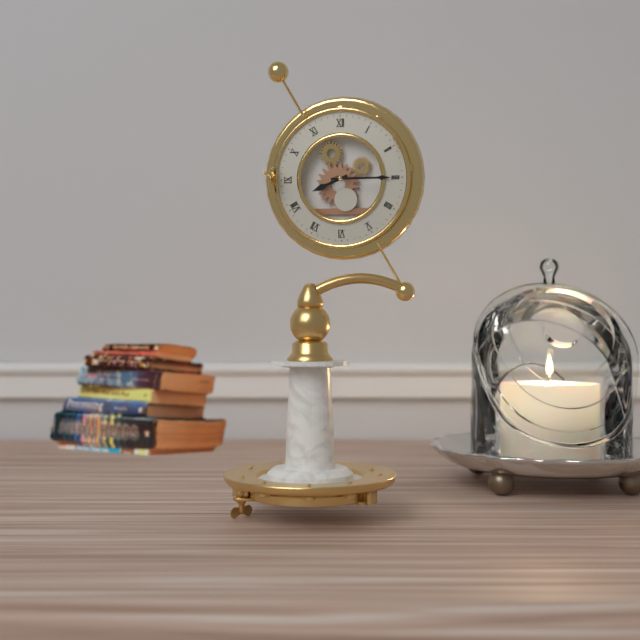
**8:15**
